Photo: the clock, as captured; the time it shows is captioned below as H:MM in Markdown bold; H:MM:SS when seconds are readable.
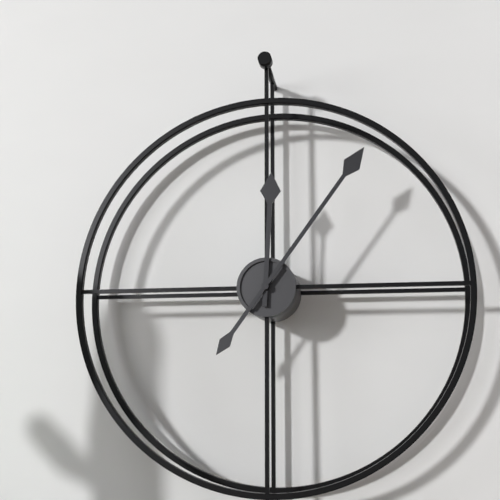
**12:06**
